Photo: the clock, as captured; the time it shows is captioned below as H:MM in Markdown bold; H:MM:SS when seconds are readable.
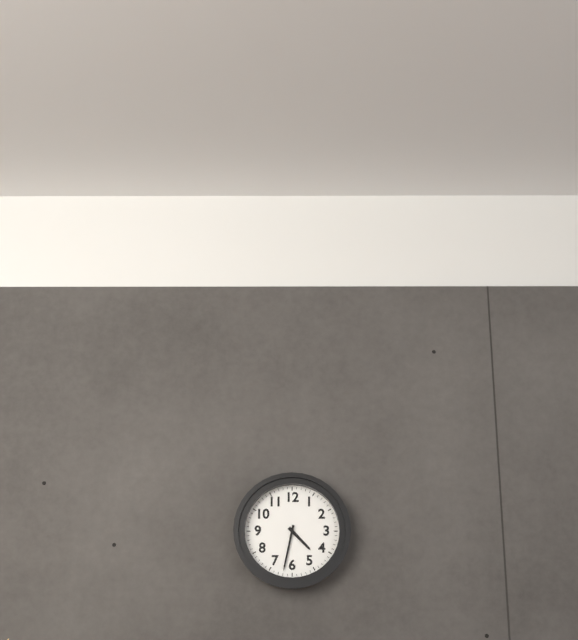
**4:32**
